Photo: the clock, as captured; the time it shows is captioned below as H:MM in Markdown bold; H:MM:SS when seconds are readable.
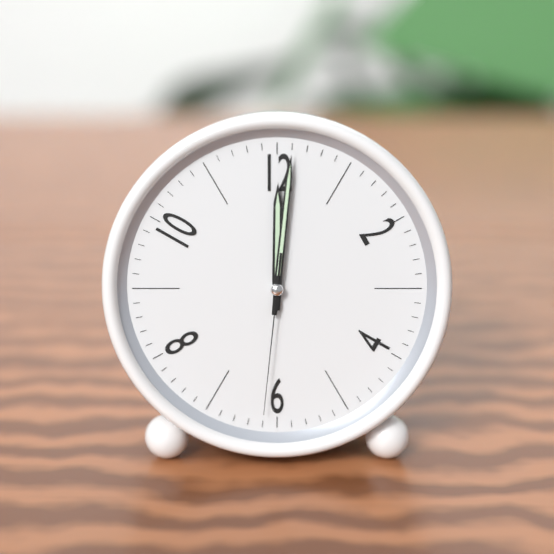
**12:01:31**
